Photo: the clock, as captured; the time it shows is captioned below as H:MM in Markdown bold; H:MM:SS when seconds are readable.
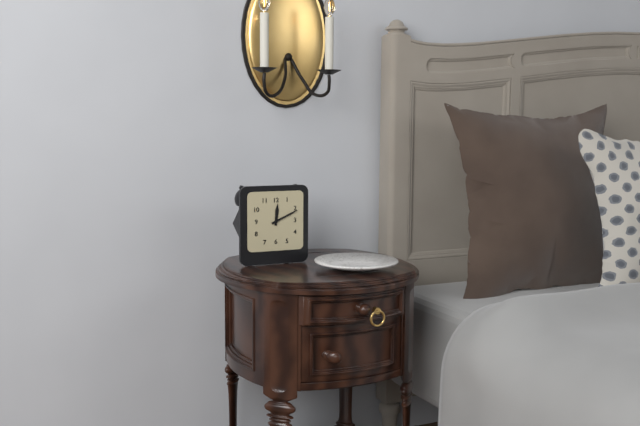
**12:11**
